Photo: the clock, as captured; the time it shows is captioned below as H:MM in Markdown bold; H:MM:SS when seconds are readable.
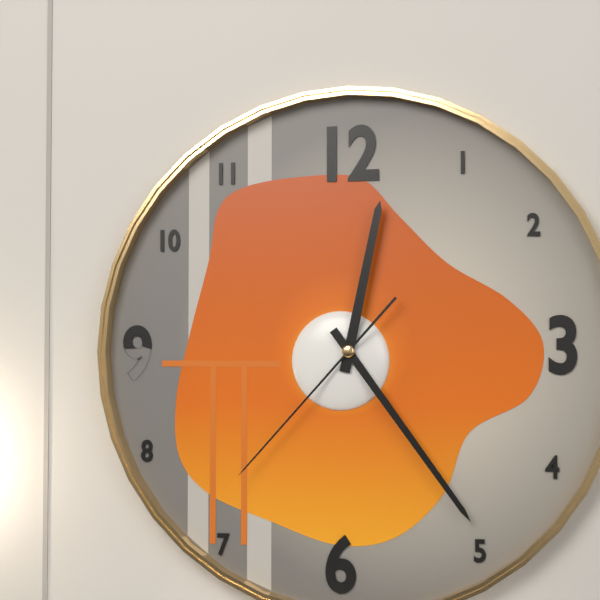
**12:24:37**
